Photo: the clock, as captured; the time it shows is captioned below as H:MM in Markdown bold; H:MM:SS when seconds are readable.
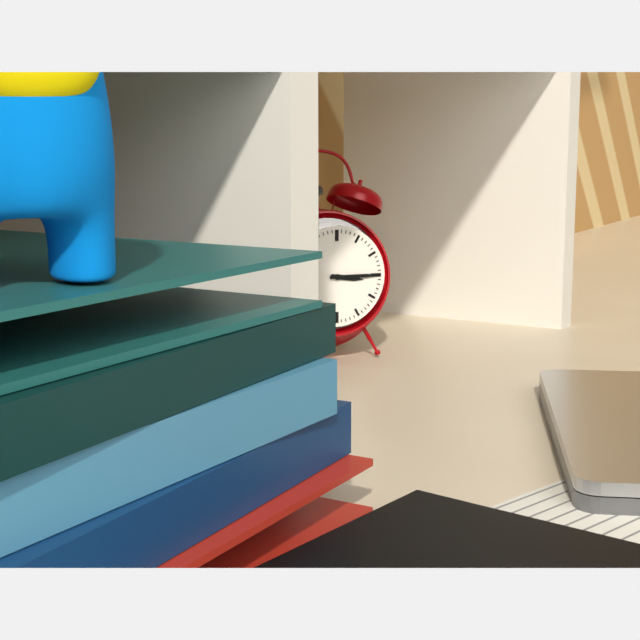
**3:15**
